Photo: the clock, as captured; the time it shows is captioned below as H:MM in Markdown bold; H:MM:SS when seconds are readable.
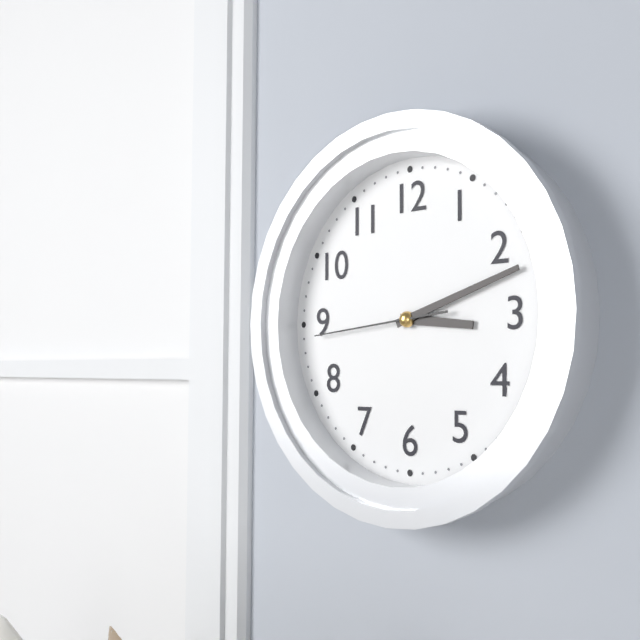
**3:12:44**
